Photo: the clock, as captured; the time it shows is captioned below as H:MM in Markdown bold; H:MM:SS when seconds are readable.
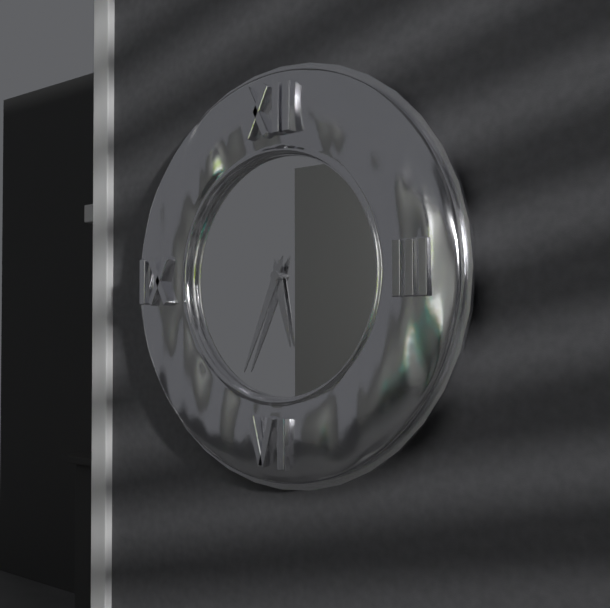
**5:34**
